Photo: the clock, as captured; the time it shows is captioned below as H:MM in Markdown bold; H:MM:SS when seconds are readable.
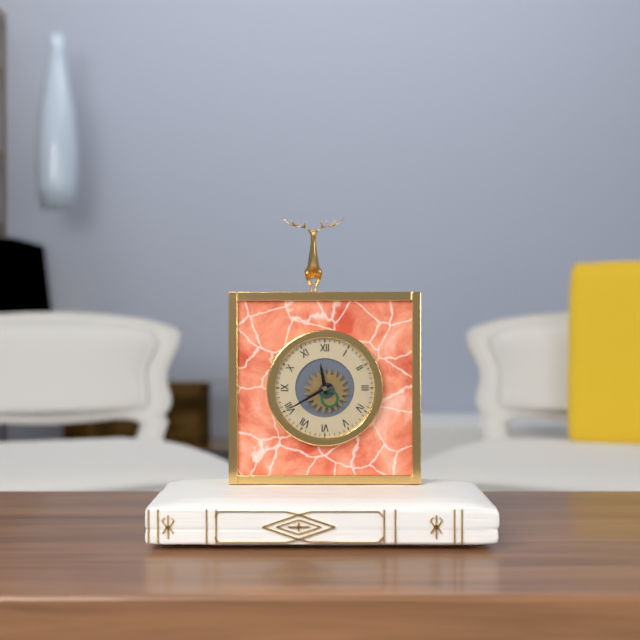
**11:40**
